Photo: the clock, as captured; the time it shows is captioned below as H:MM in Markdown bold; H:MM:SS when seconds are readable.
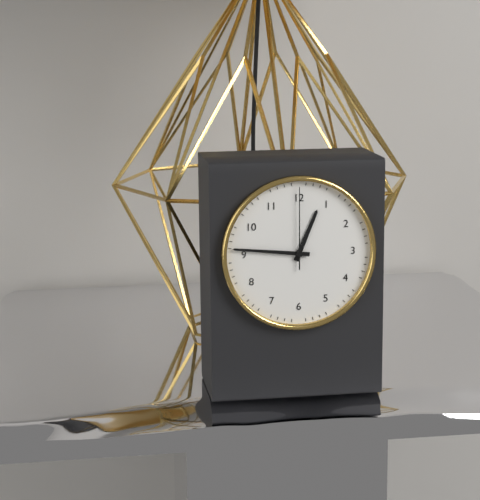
**12:46:00**
